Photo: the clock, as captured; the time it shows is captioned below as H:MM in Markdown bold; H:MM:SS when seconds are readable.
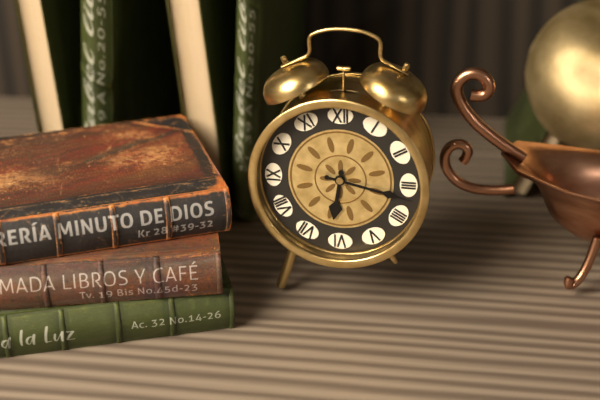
**6:17**
